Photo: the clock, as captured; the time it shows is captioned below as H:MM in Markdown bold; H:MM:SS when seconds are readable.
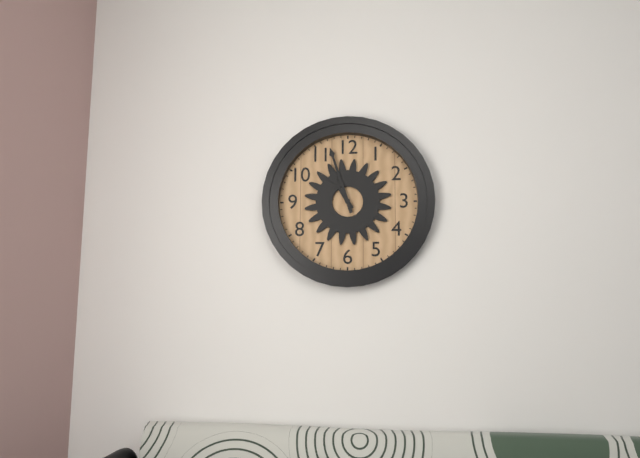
**10:57**
